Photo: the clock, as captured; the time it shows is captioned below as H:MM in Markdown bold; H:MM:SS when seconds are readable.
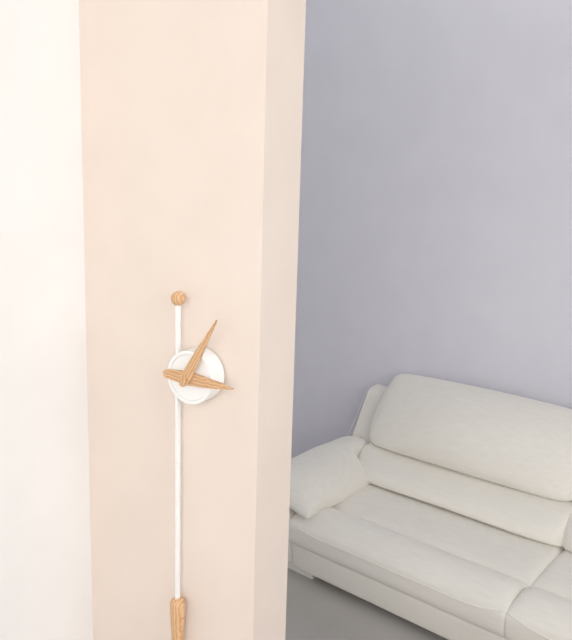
**3:05**
